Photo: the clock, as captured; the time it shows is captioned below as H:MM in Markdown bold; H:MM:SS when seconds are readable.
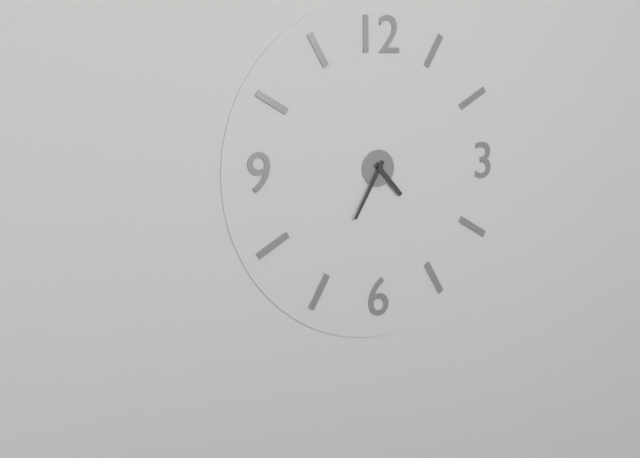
**4:35**
